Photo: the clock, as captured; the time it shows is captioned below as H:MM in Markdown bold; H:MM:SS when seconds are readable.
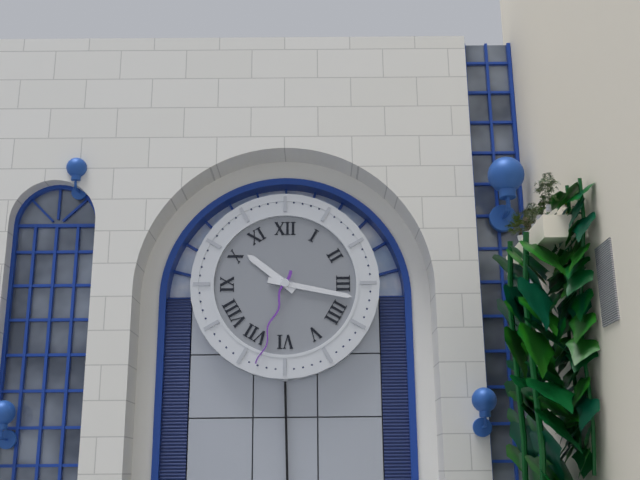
**10:17:33**
